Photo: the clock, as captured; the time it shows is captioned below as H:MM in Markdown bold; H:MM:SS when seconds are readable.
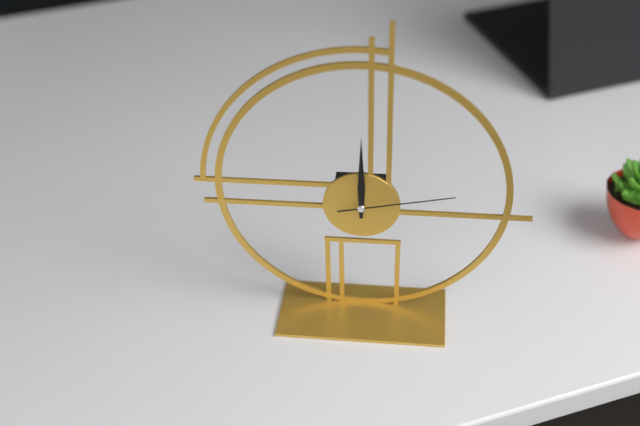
**12:00:13**
